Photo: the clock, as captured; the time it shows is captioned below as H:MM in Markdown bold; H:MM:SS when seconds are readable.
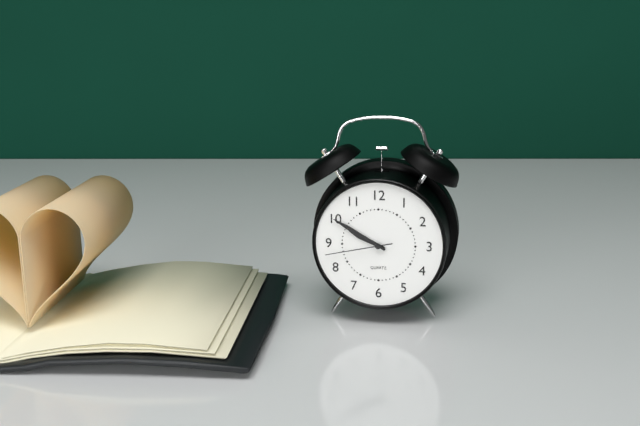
**9:50:43**
